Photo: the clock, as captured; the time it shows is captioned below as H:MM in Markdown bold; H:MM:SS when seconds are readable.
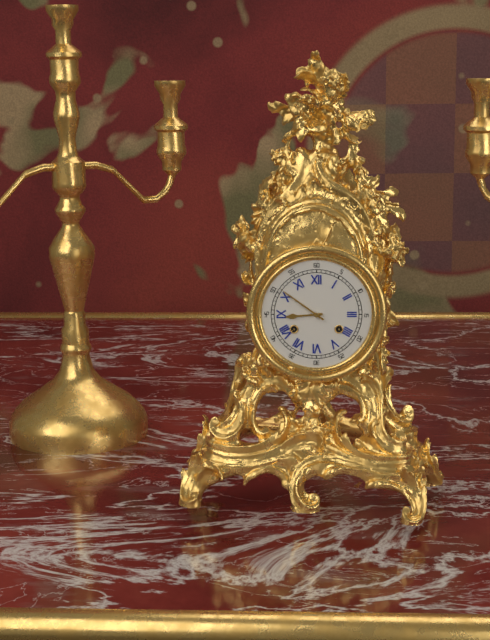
**8:51**
